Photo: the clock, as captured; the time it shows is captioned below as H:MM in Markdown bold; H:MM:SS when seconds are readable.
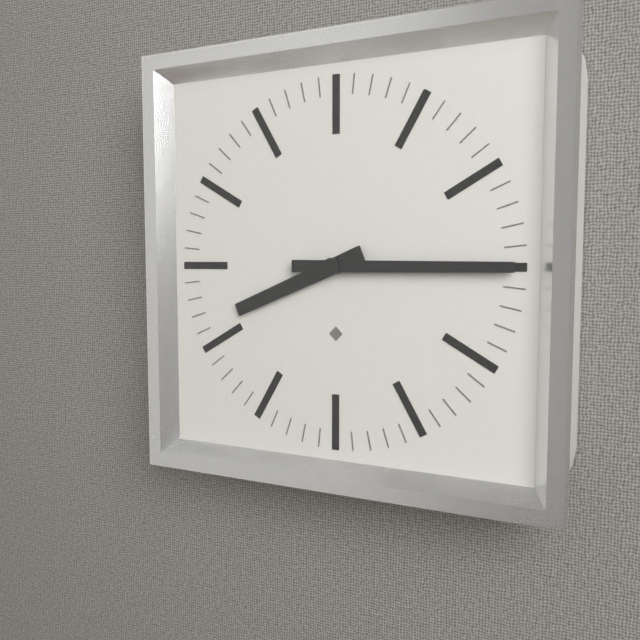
**8:15**
